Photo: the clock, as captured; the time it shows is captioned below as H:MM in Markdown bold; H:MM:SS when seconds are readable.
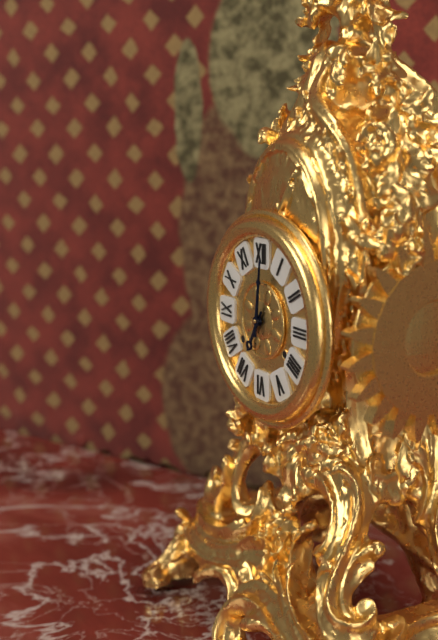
**7:01**
